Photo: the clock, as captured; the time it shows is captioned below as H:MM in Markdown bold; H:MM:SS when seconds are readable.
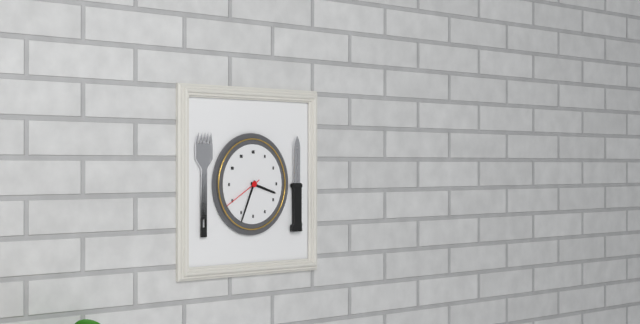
**3:34**
